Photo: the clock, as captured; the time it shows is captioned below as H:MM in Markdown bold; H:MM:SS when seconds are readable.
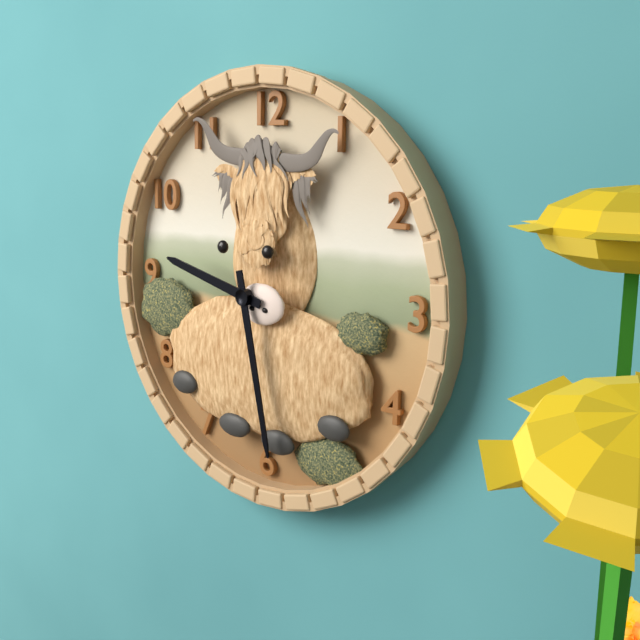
**9:28**
